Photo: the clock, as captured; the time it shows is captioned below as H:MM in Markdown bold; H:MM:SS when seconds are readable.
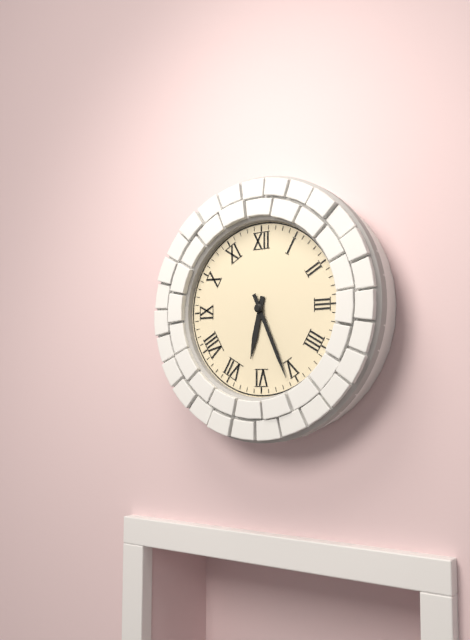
**6:26**
